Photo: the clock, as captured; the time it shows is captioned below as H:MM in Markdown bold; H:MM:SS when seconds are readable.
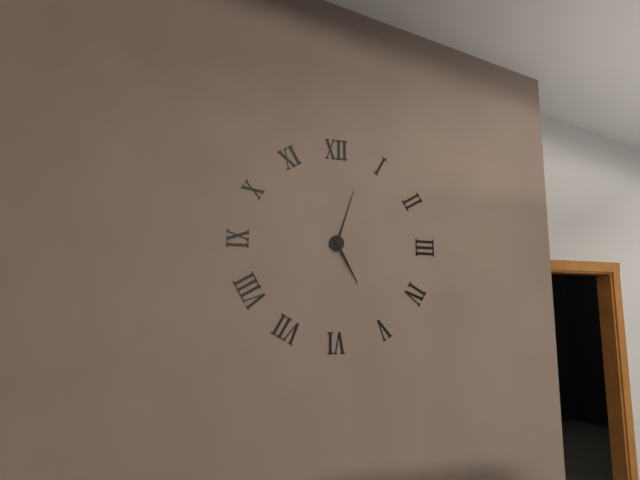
**5:03**
